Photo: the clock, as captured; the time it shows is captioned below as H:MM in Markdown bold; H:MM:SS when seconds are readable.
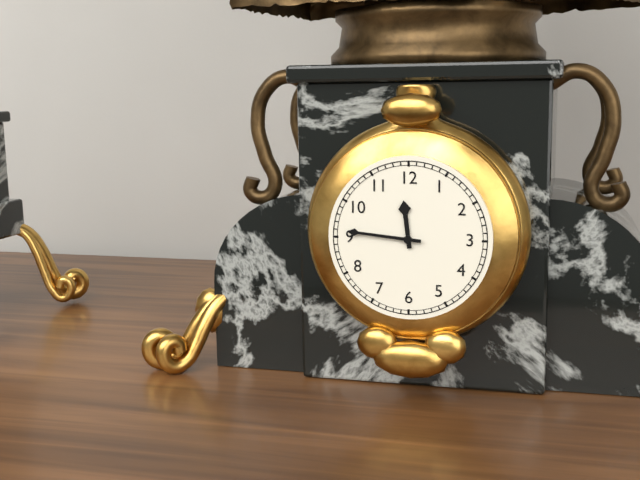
**11:46**
